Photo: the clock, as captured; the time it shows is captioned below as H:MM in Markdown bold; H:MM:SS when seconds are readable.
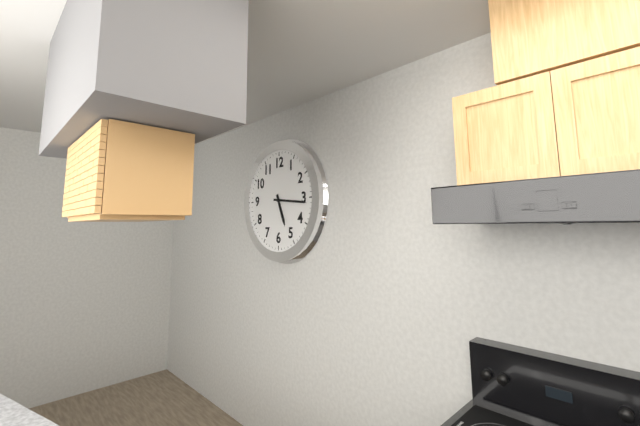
**5:16**
